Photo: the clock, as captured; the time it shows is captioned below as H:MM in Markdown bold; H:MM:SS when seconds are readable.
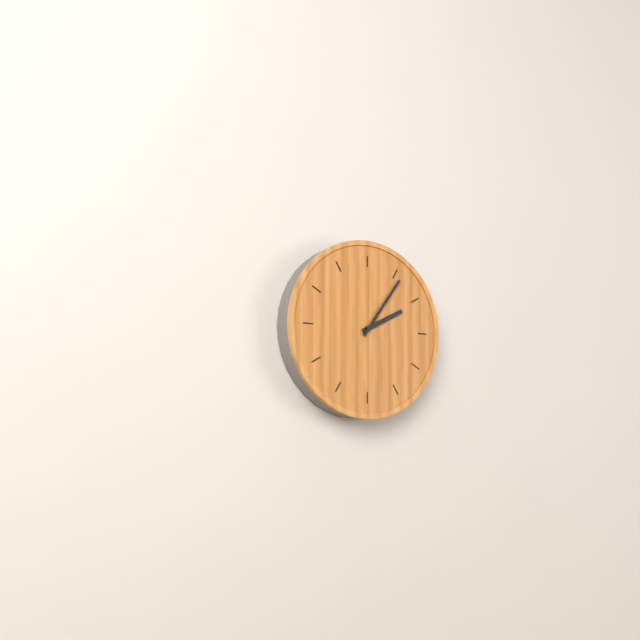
**2:06**
